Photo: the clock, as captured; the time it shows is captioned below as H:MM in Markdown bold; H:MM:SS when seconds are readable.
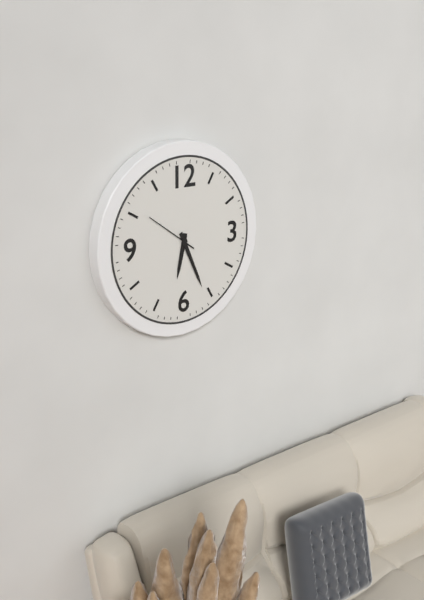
**6:26:51**
